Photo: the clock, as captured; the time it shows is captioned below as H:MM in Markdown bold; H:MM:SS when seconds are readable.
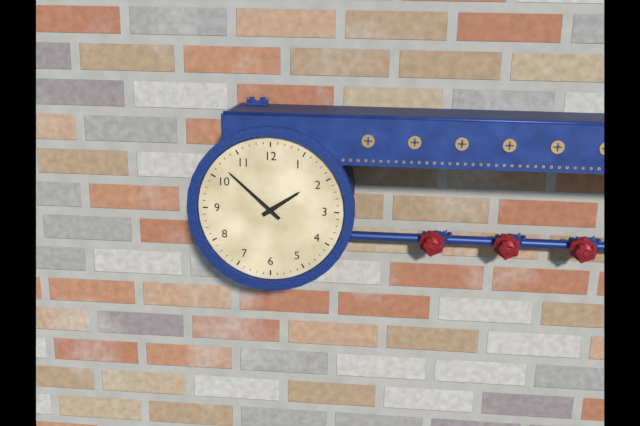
**1:52**
